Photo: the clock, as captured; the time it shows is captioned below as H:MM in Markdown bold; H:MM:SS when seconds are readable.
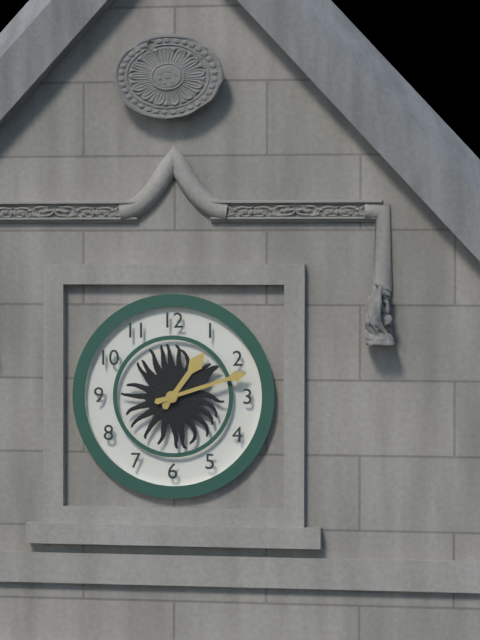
**1:12**
